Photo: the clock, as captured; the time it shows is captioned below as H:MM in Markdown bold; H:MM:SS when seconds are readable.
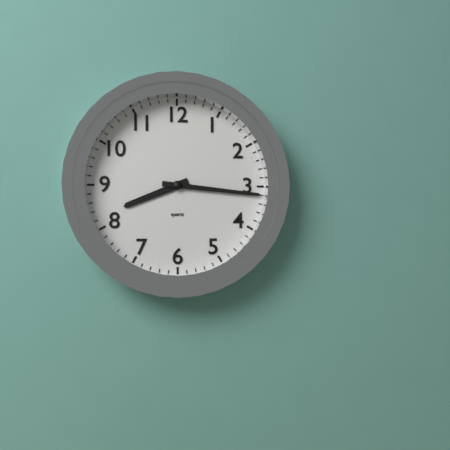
**8:16**
